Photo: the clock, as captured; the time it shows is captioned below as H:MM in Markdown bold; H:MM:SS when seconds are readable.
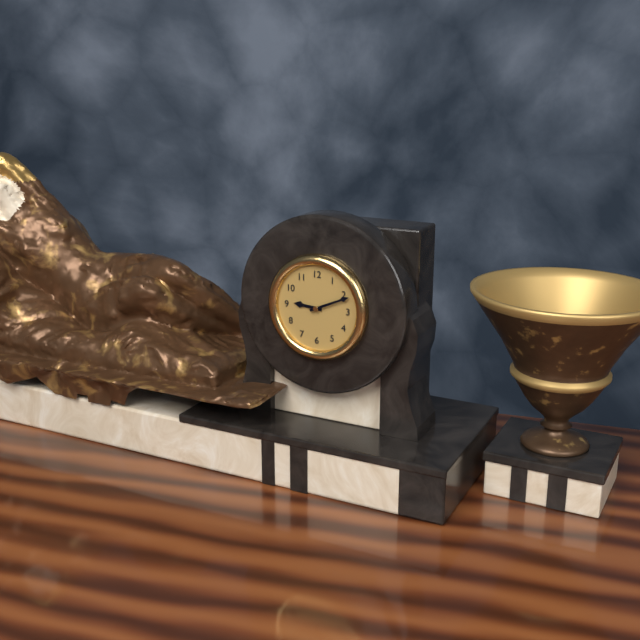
**9:11**
